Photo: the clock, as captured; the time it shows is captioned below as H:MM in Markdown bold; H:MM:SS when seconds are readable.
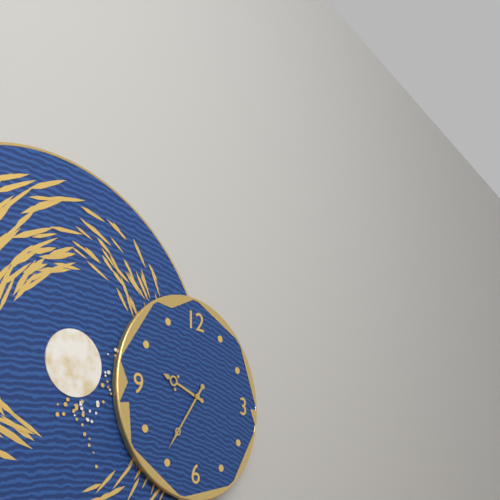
**9:36**
